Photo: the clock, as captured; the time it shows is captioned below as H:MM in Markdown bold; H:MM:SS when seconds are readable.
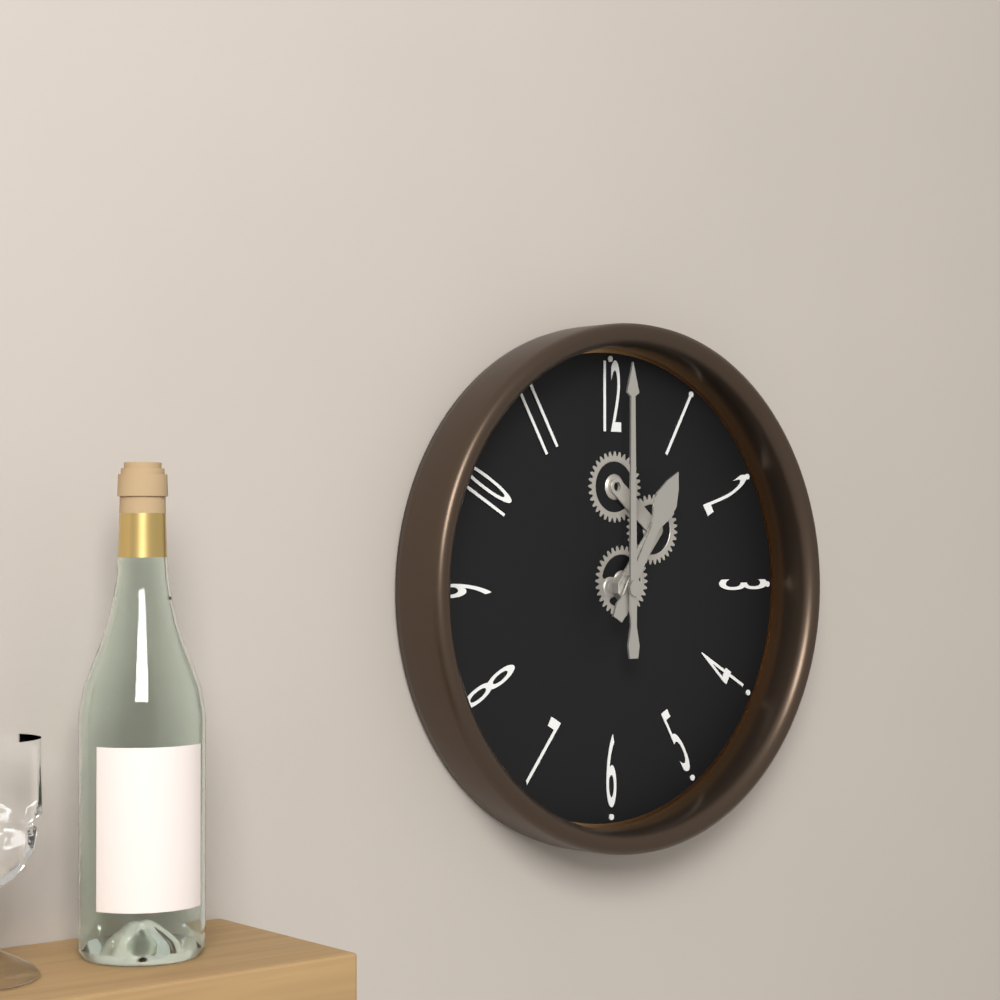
**1:00**
